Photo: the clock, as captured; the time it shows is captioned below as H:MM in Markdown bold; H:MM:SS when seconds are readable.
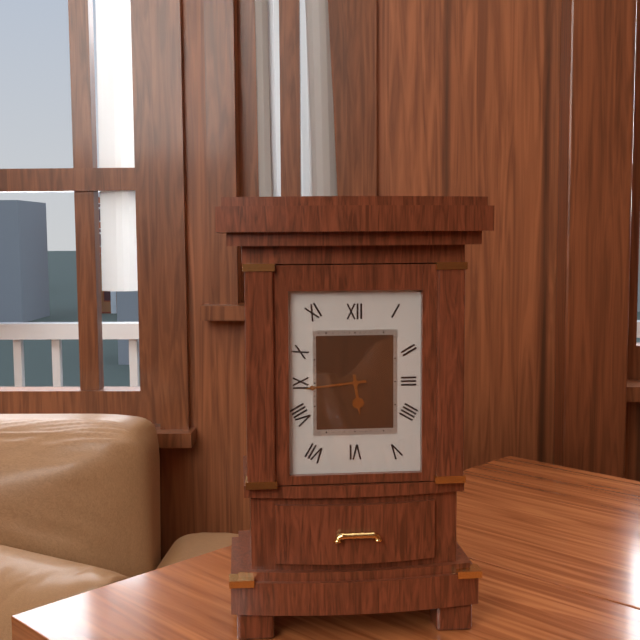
**5:44**
